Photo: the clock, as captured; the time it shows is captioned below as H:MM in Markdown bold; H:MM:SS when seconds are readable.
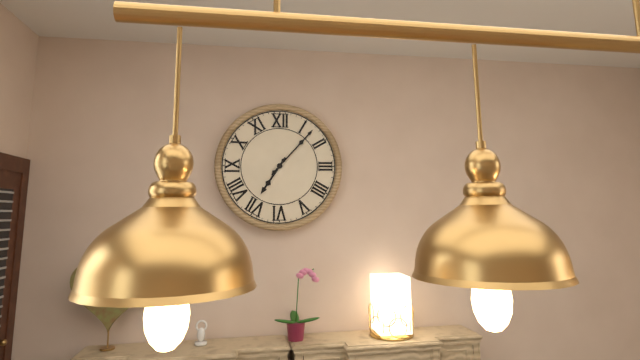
**7:07**
